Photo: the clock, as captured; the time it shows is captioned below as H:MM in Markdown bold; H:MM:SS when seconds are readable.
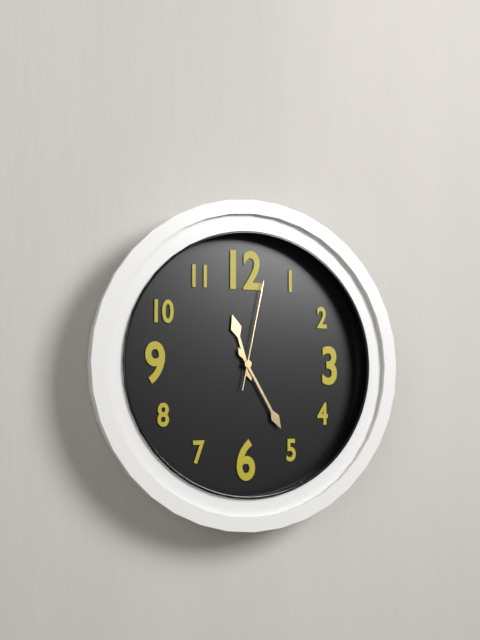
**11:25:02**
